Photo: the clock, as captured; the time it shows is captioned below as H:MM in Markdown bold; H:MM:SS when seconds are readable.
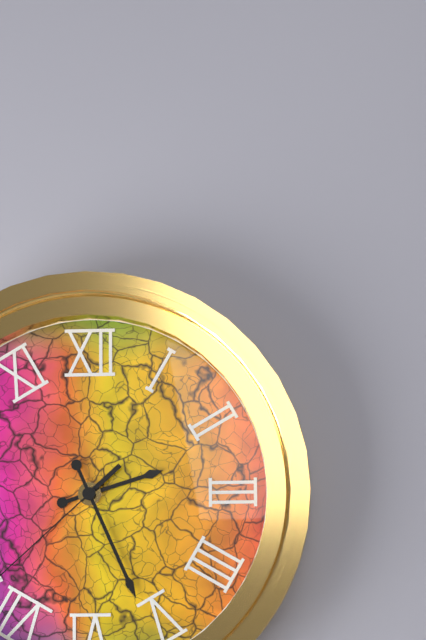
**2:26**
